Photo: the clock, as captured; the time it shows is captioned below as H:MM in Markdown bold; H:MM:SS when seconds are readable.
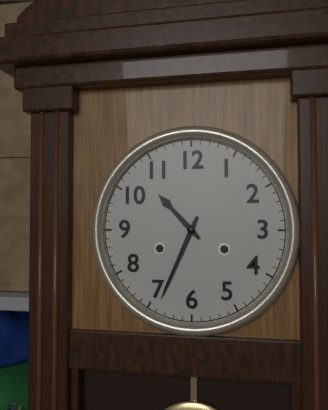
**10:34**
